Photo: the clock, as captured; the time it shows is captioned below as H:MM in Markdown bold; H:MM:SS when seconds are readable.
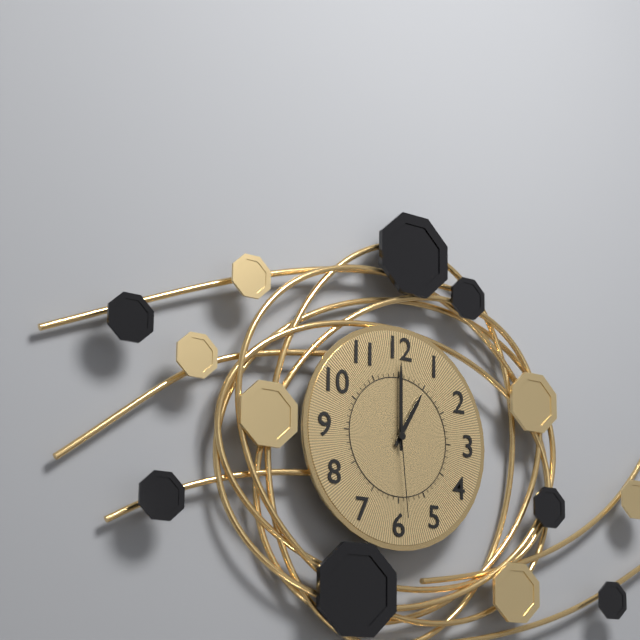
**1:00:29**
